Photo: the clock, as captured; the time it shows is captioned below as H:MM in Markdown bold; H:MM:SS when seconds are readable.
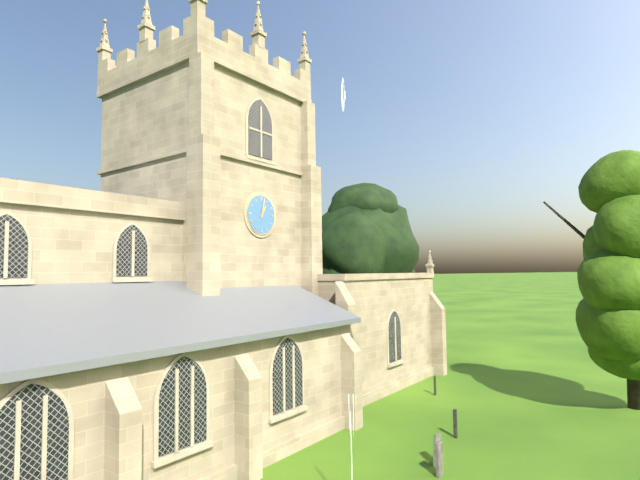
**1:02**
